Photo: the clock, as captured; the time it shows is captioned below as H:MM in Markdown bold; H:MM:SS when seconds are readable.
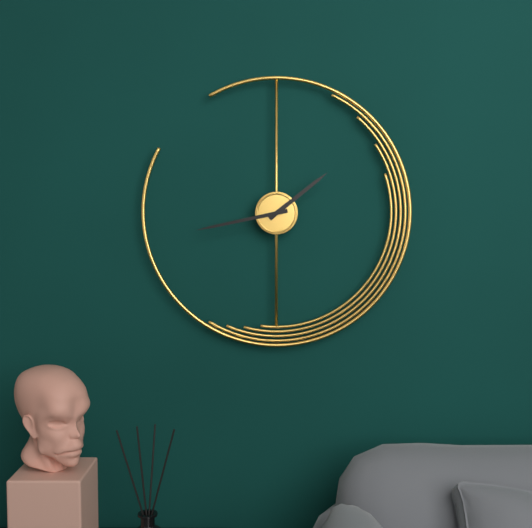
**1:43**
